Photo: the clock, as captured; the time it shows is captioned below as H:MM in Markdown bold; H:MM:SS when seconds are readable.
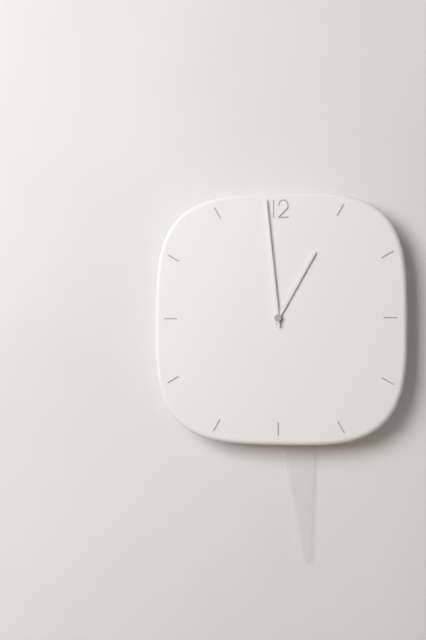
**12:59**
